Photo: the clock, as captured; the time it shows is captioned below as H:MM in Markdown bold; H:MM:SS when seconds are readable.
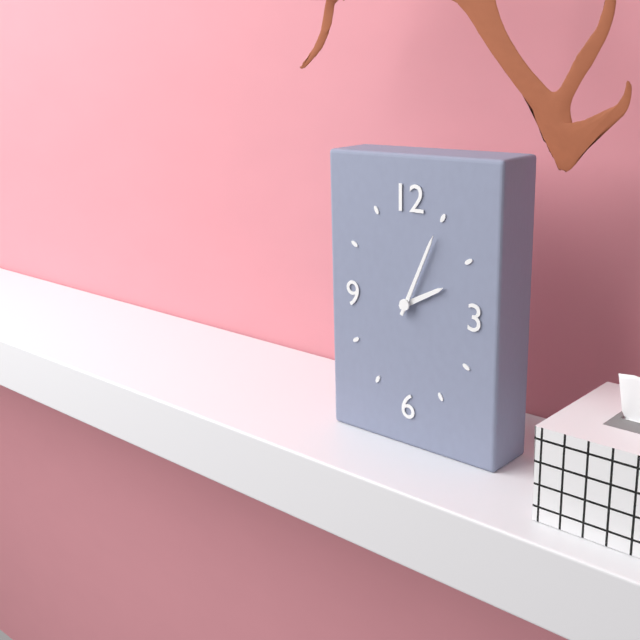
**2:04**
